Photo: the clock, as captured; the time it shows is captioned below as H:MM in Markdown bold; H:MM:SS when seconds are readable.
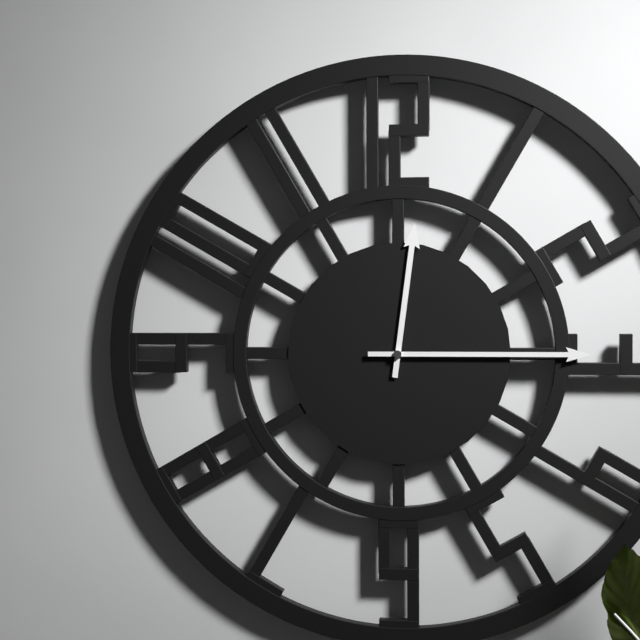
**12:15**
